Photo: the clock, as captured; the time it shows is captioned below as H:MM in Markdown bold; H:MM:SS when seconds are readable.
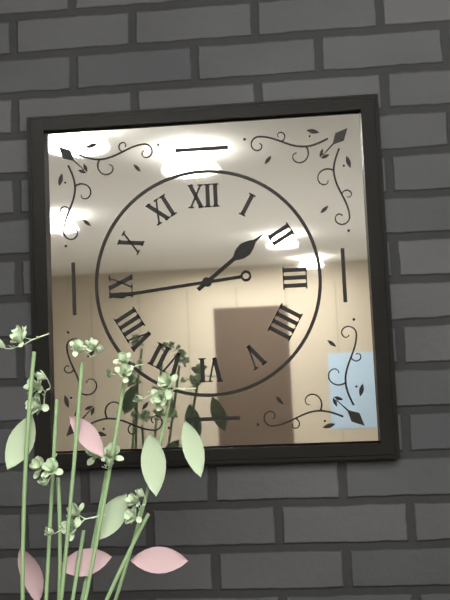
**1:44**
